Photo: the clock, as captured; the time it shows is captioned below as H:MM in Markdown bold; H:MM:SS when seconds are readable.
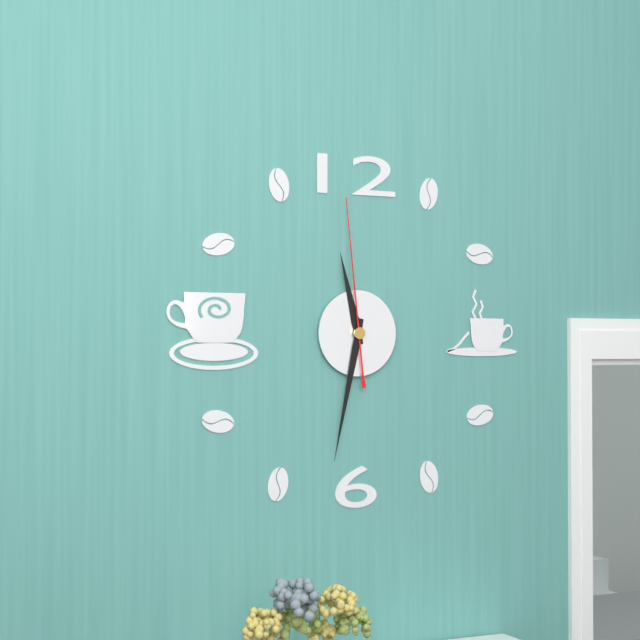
**11:32:59**
